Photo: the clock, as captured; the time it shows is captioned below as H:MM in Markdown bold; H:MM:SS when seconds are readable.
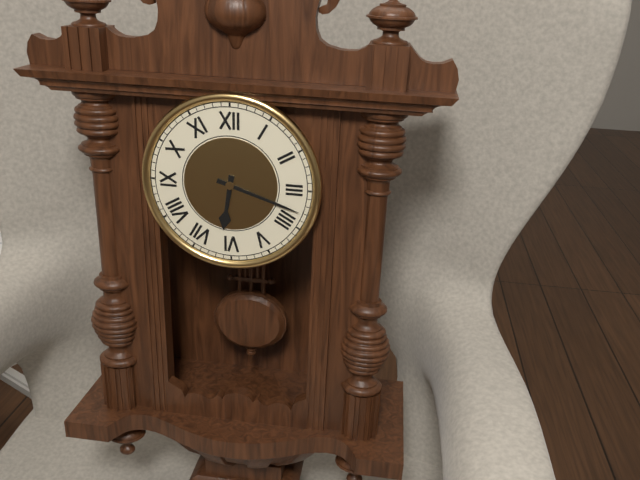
**6:18**
